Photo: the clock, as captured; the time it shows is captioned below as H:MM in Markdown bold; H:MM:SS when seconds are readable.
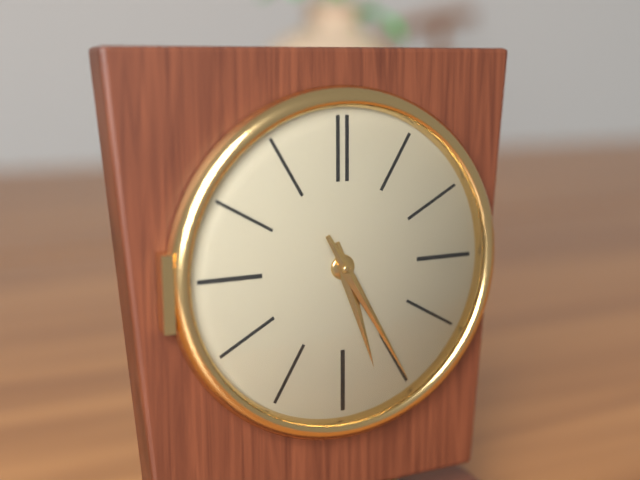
**5:25**
